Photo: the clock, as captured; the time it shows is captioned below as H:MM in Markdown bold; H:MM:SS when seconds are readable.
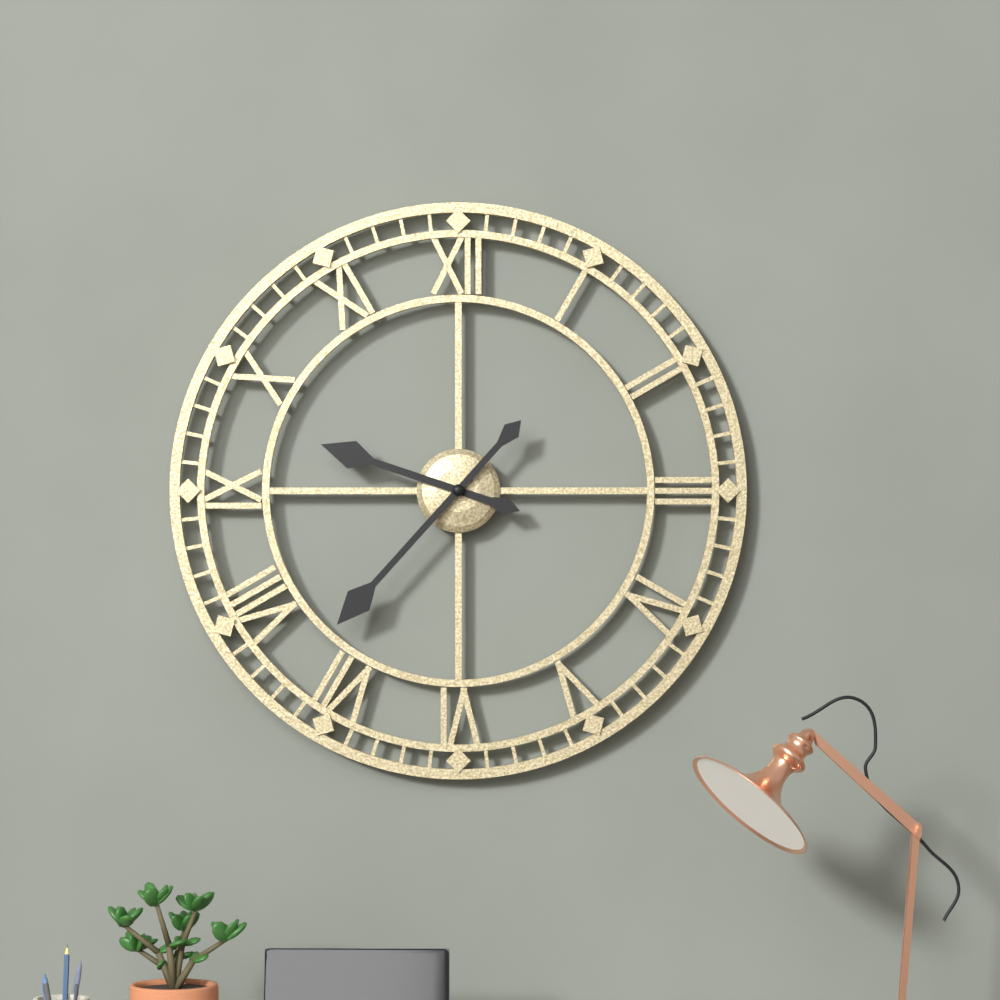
**9:37**
